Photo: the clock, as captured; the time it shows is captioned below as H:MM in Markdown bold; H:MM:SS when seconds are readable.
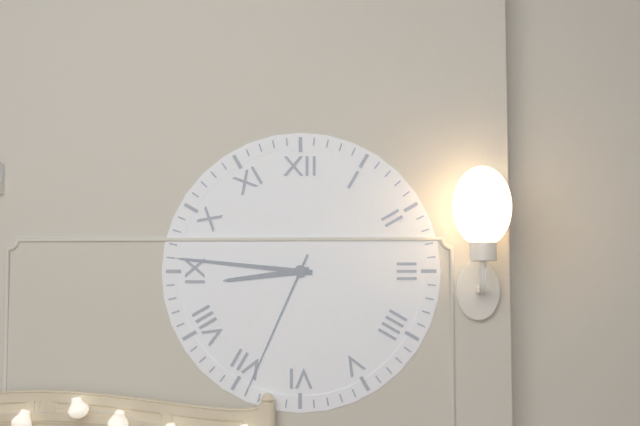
**8:46:34**
